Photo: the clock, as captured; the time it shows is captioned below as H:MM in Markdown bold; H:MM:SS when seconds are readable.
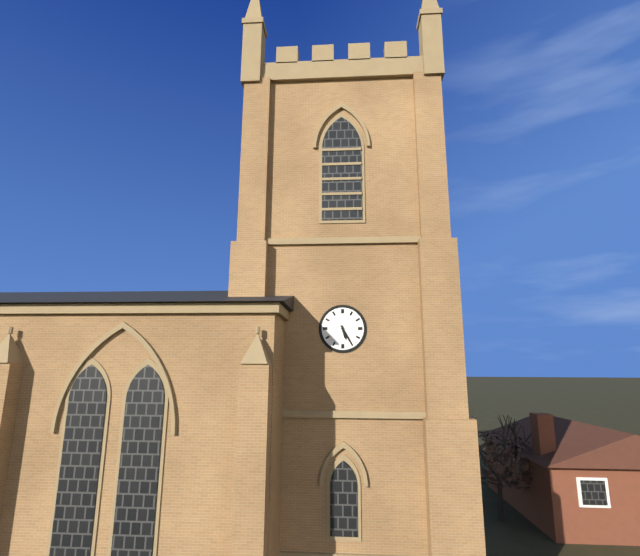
**5:25**
